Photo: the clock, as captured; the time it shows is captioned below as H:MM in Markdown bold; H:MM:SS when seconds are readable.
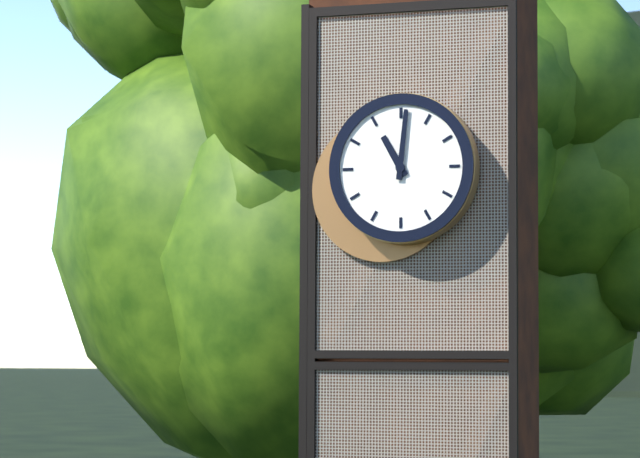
**11:01**
